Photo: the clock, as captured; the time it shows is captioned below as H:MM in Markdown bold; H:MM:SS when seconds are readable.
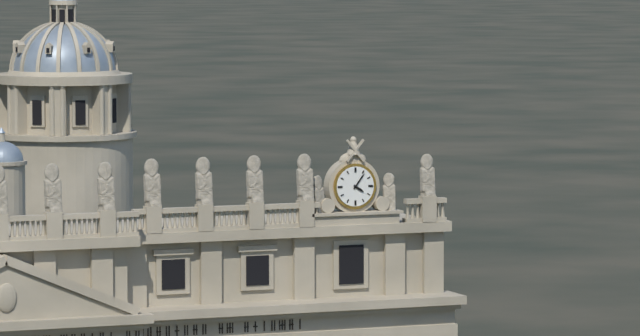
**4:06**
